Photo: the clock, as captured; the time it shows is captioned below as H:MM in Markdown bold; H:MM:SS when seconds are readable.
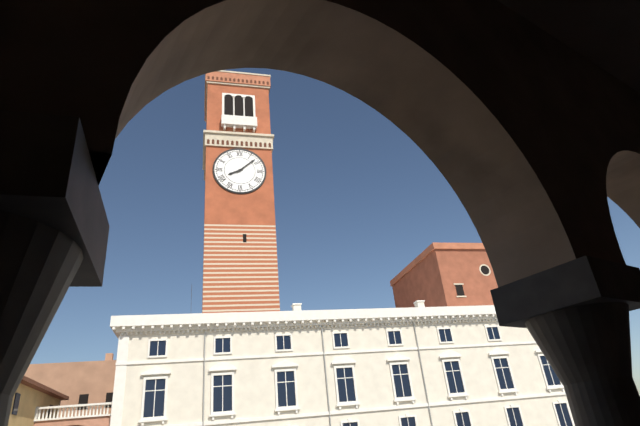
**8:08**
